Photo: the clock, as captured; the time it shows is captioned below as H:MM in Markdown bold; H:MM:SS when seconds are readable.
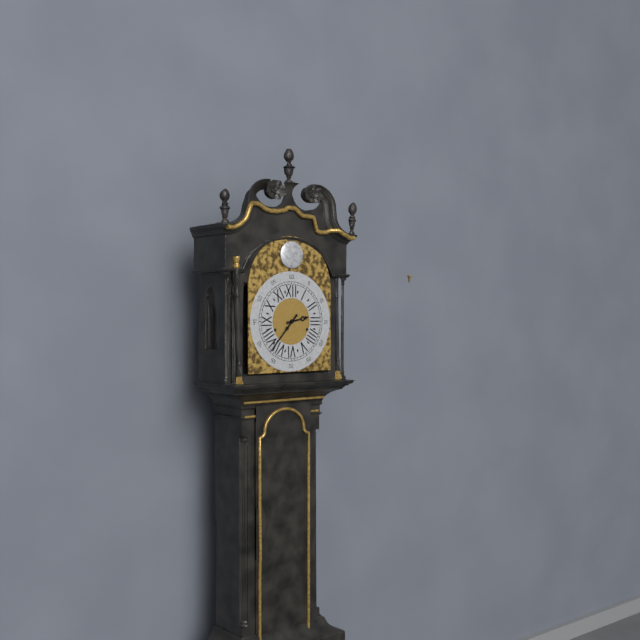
**2:37**
